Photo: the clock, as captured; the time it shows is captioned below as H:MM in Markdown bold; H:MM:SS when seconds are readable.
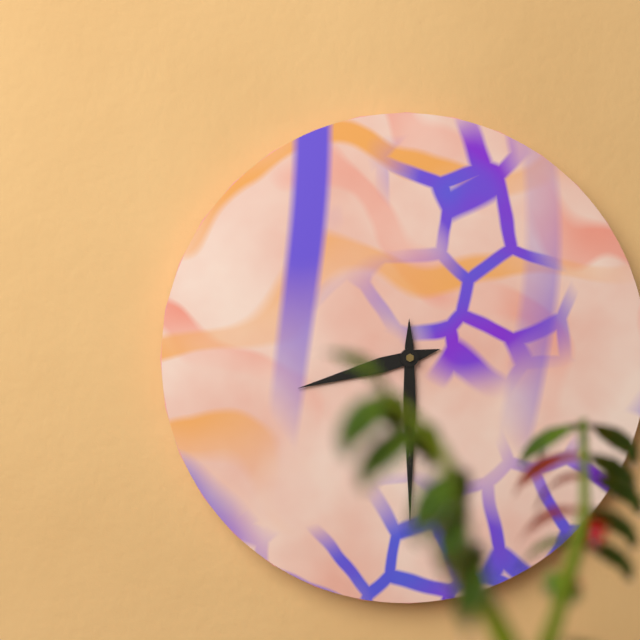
**8:30**
